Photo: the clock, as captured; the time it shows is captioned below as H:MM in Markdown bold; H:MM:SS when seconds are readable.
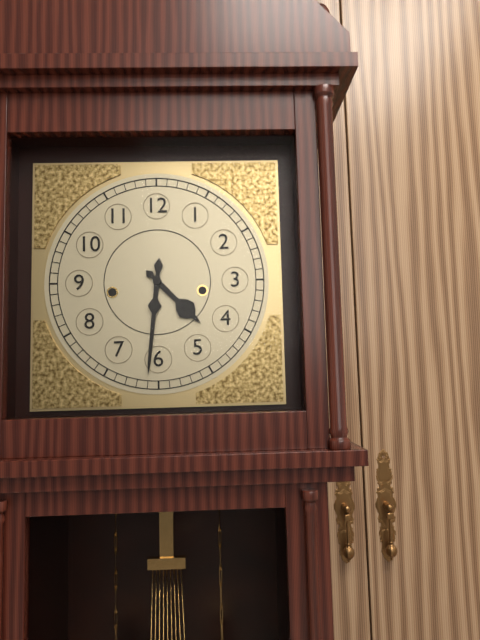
**4:31**
